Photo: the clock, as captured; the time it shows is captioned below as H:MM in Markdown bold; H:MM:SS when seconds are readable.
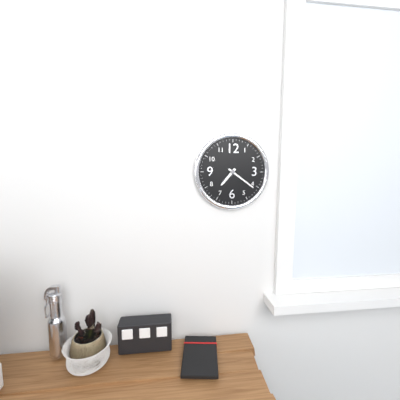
**7:21**
